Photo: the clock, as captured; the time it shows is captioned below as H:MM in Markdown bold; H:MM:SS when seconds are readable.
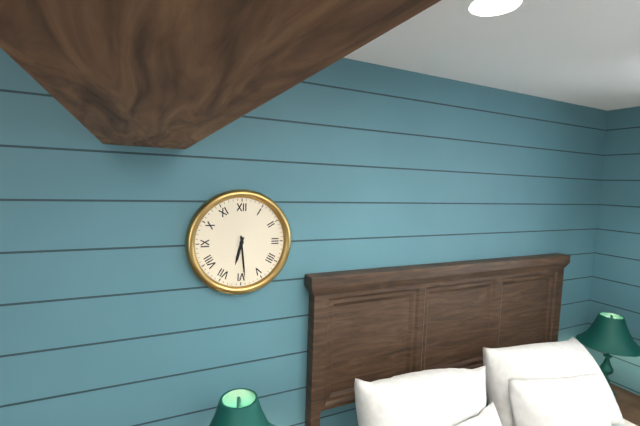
**6:29**
